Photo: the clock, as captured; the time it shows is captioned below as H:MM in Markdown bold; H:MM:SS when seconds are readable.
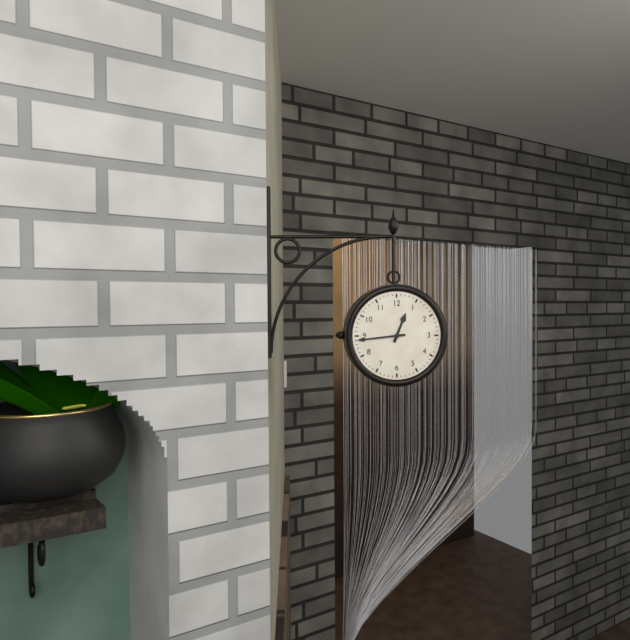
**12:44**
